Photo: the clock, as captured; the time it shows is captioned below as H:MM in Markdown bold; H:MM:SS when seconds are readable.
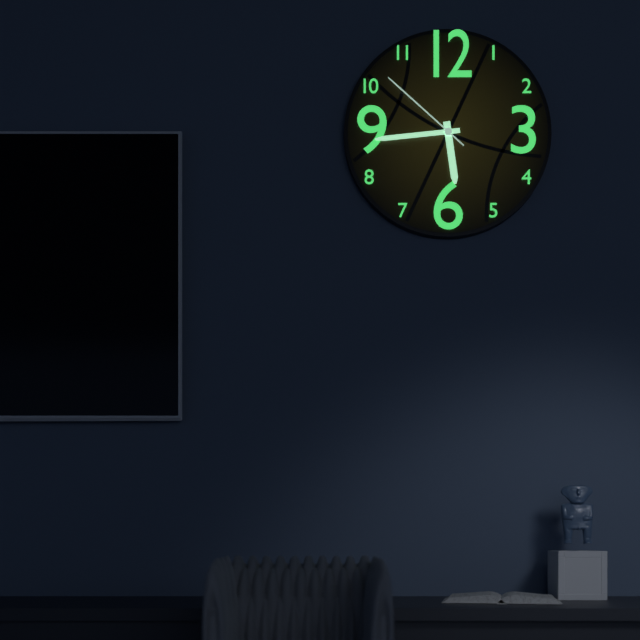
**5:44:52**
